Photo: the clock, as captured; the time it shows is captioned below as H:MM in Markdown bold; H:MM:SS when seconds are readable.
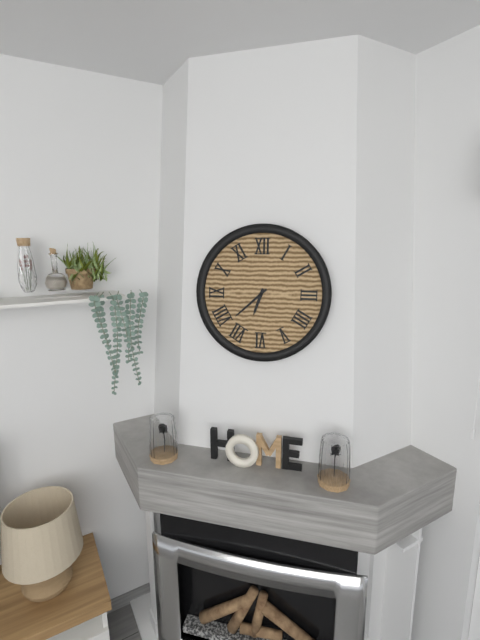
**6:38**
